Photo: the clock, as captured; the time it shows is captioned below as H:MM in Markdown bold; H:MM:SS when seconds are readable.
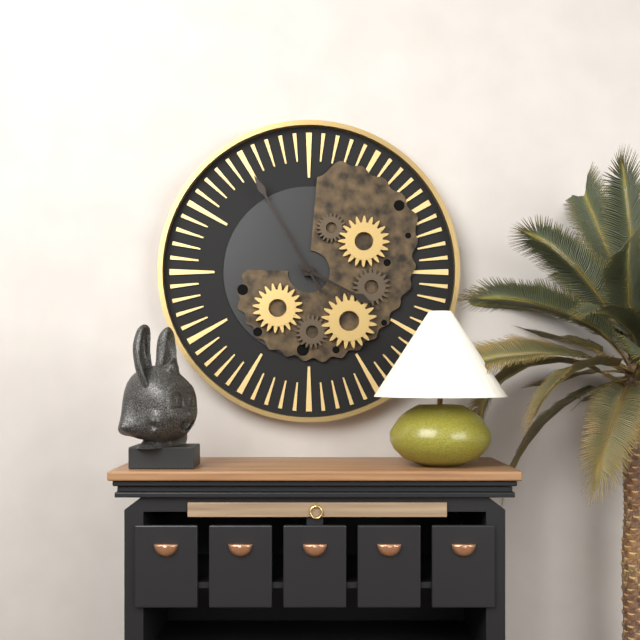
**3:55**
